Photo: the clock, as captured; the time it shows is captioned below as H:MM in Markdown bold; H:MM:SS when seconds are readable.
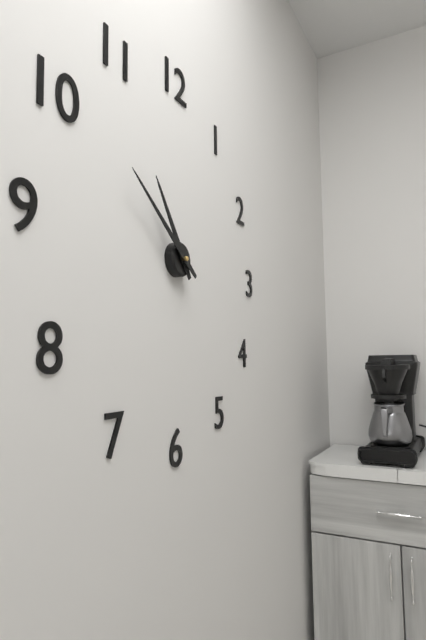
**10:51**
